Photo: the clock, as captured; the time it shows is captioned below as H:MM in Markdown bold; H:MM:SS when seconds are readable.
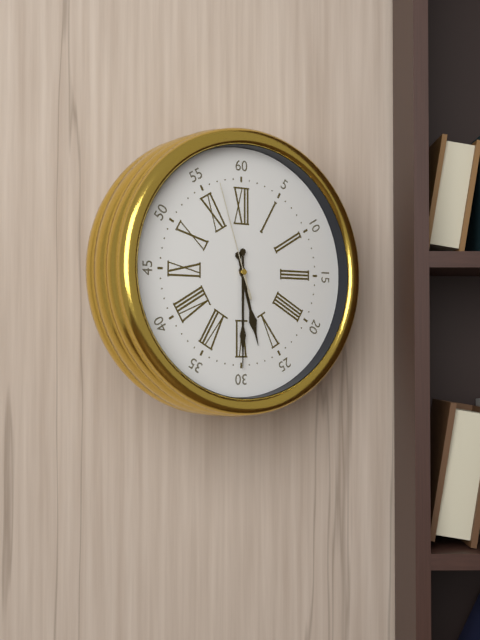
**5:30:57**
